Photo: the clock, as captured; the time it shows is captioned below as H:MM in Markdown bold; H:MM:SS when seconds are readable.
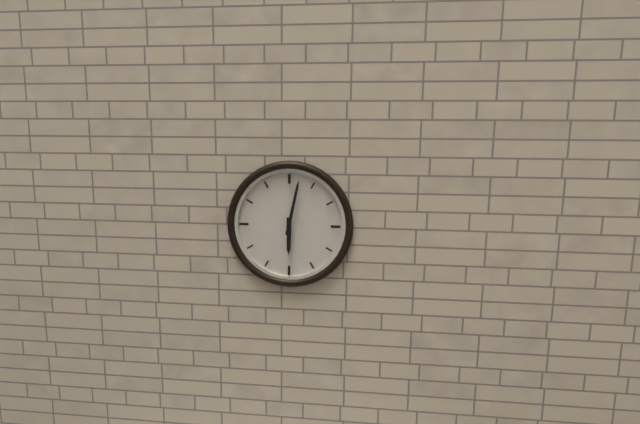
**6:02**
